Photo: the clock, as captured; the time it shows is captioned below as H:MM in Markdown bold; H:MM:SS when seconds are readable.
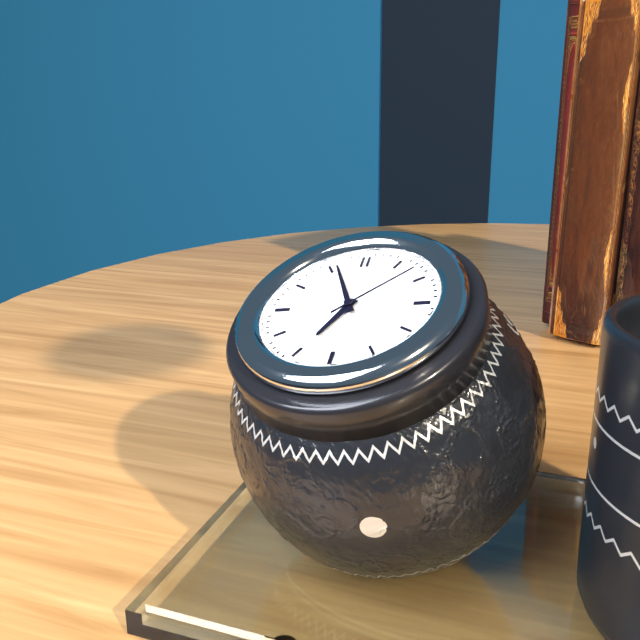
**6:56:08**
